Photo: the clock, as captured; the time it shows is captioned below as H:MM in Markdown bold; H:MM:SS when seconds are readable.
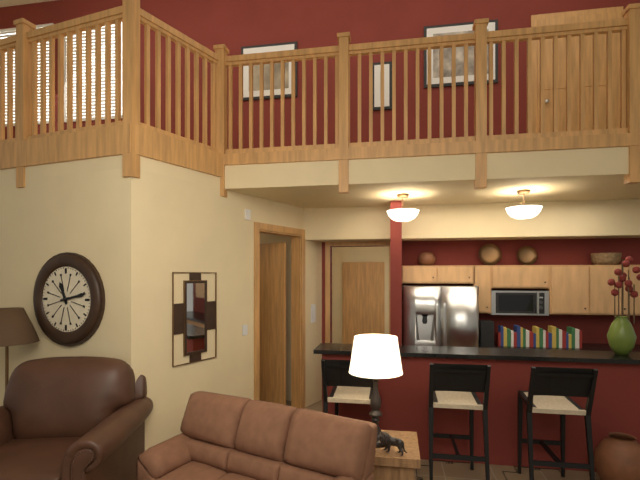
**11:13**
